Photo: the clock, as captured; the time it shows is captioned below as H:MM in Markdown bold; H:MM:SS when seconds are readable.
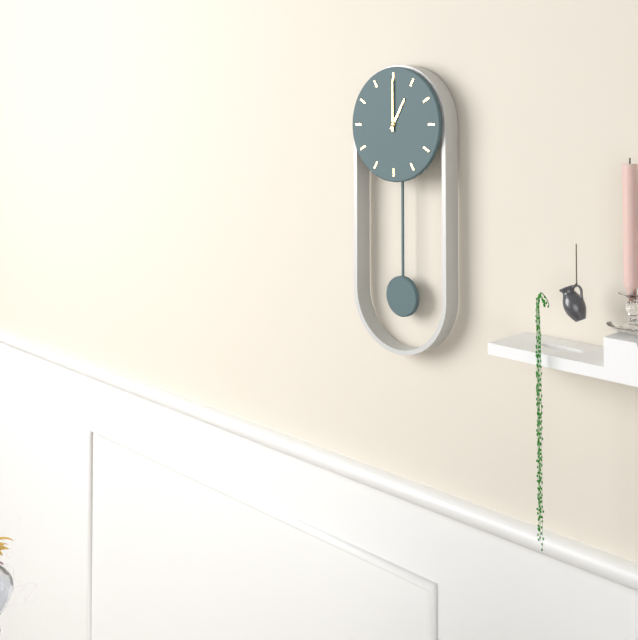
**1:00**
